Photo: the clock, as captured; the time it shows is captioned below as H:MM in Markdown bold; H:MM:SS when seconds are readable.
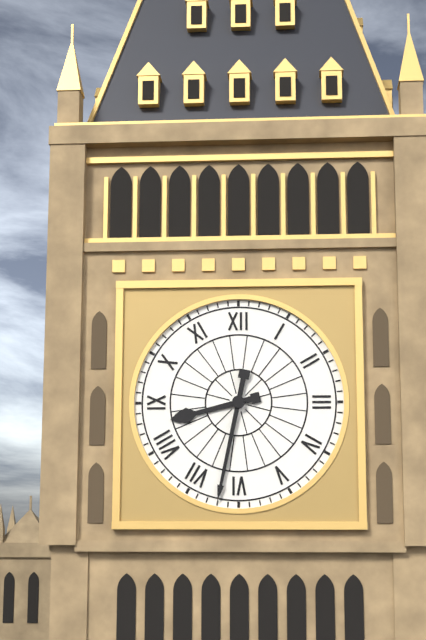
**8:32**
